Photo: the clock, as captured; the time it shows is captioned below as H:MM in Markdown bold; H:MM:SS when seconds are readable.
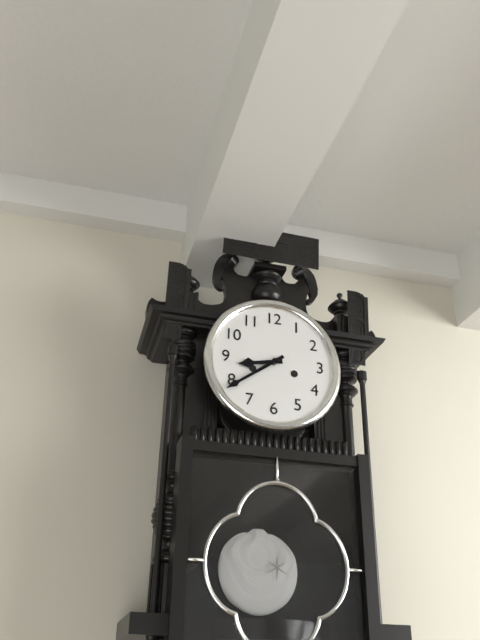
**8:39**
